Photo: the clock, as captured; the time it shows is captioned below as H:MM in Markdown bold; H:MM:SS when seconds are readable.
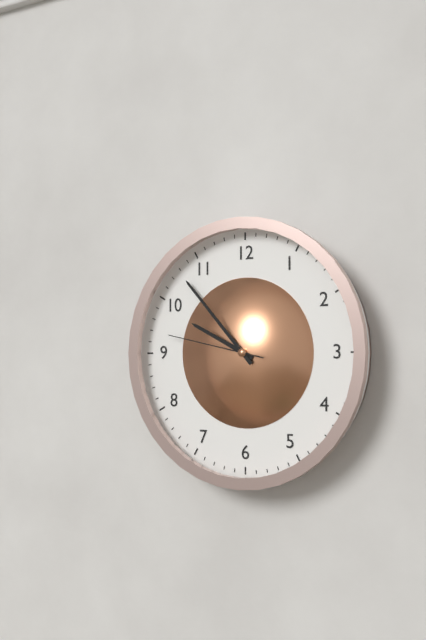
**9:53:47**
